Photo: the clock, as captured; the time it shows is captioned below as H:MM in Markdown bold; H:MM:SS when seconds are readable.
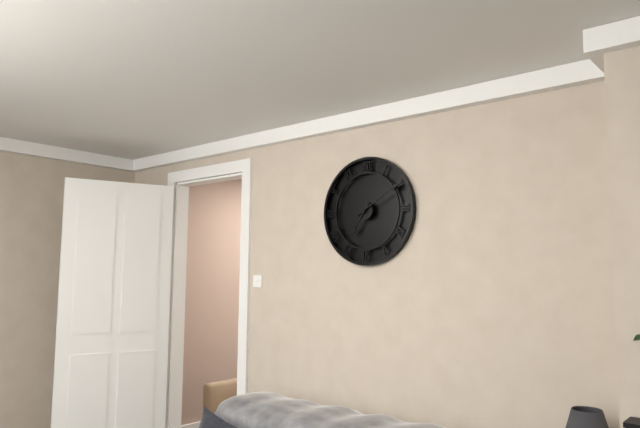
**7:10**
